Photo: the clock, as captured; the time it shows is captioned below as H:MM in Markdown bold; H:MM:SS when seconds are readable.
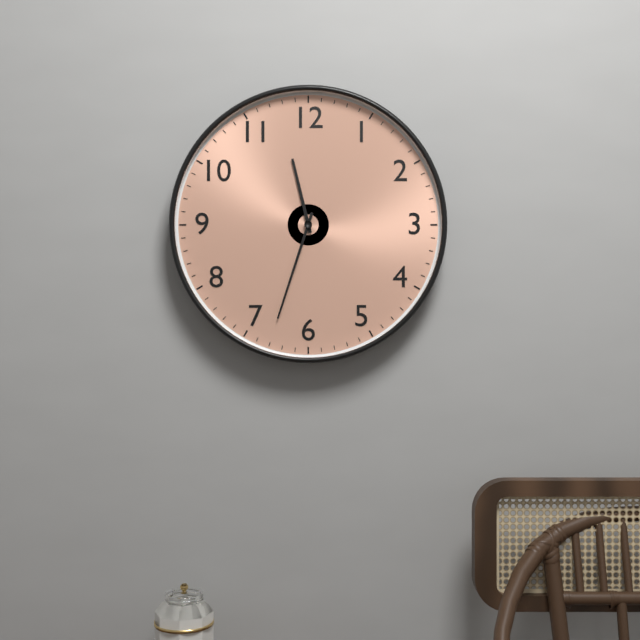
**11:33**
